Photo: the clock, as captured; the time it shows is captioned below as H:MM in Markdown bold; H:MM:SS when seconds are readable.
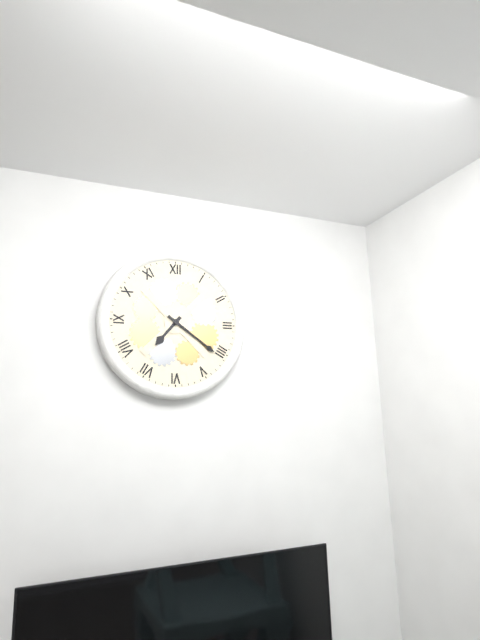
**7:21**
